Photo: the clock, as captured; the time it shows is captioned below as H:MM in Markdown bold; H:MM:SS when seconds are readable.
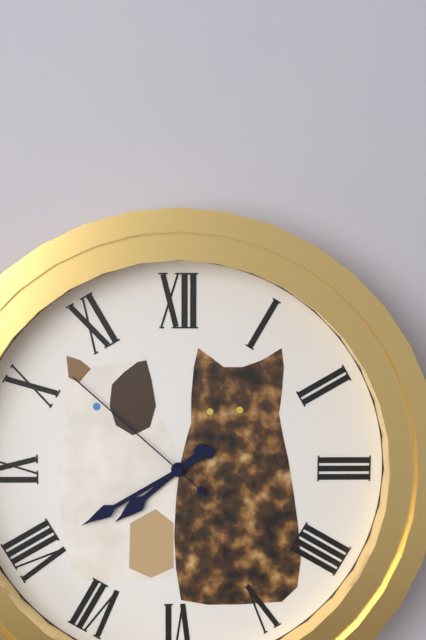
**7:40:52**
